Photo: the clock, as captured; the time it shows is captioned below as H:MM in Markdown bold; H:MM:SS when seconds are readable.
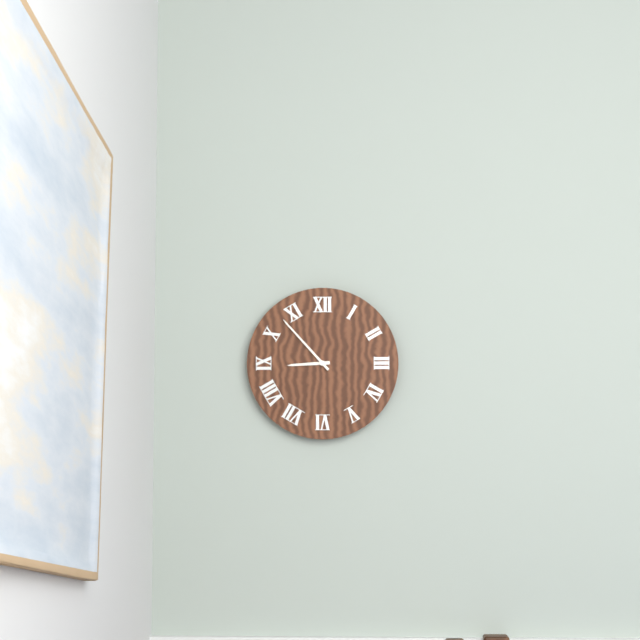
**8:53**
